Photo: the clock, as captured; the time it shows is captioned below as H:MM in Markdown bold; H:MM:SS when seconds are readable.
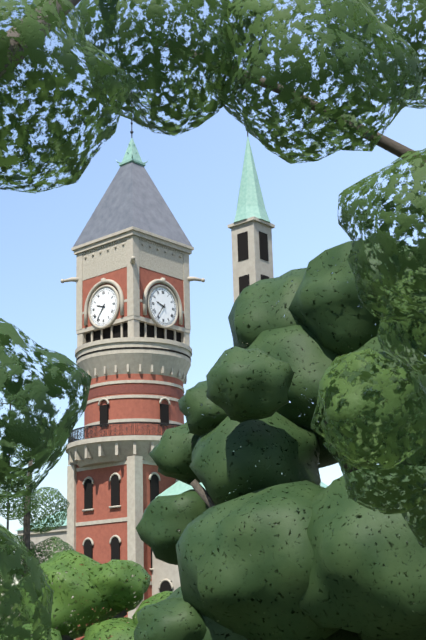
**9:36**
